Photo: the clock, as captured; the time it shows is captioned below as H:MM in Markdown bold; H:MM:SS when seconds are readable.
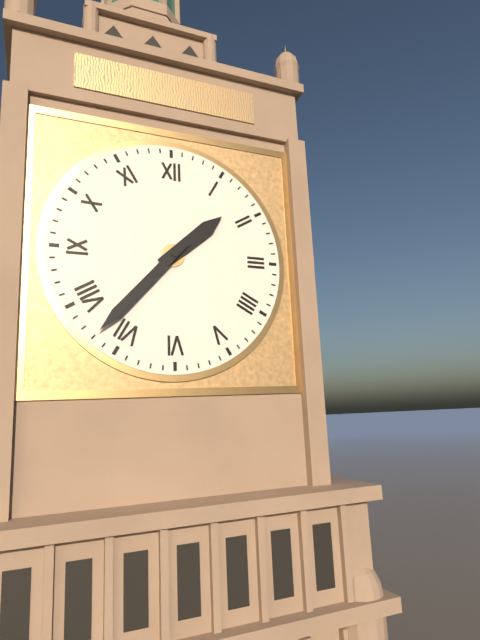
**1:37**
